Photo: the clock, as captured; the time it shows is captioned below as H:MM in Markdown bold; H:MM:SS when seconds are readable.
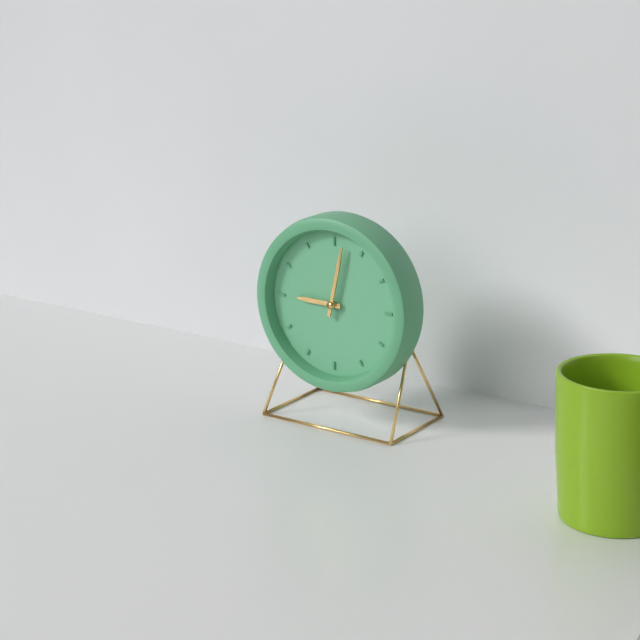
**9:02**
